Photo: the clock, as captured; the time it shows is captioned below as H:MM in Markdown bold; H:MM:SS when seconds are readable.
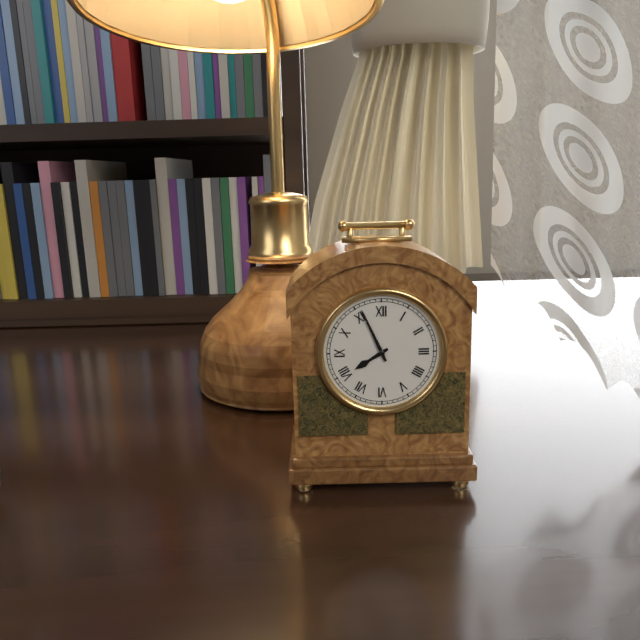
**7:56**
